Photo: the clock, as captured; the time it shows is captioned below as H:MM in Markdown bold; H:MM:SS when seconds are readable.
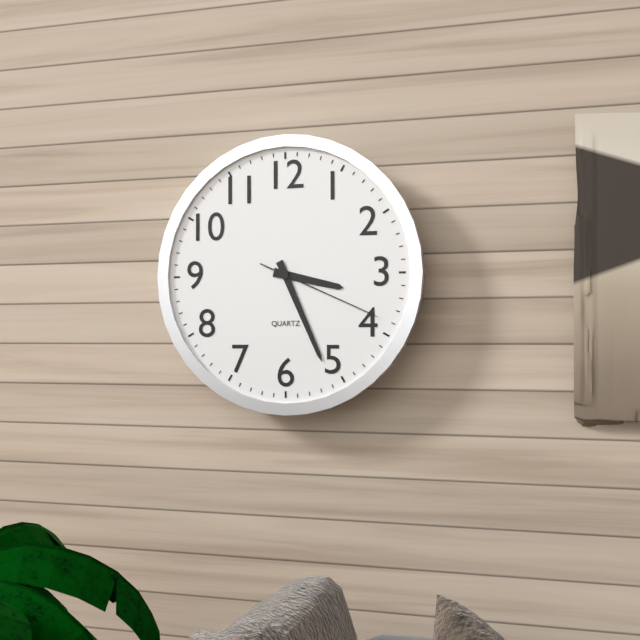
**3:26:19**
